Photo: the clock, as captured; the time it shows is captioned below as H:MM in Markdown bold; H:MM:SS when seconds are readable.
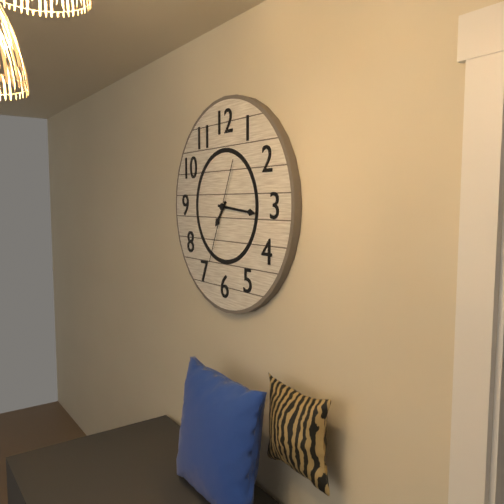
**7:16:34**
